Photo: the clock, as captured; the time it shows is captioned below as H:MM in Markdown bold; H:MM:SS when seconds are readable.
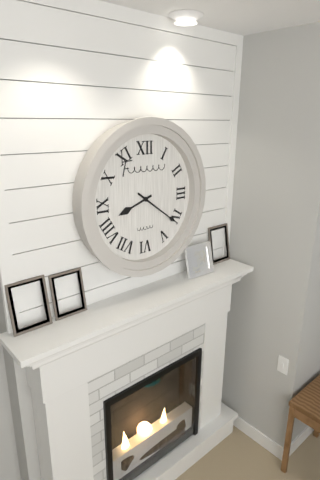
**8:21**
